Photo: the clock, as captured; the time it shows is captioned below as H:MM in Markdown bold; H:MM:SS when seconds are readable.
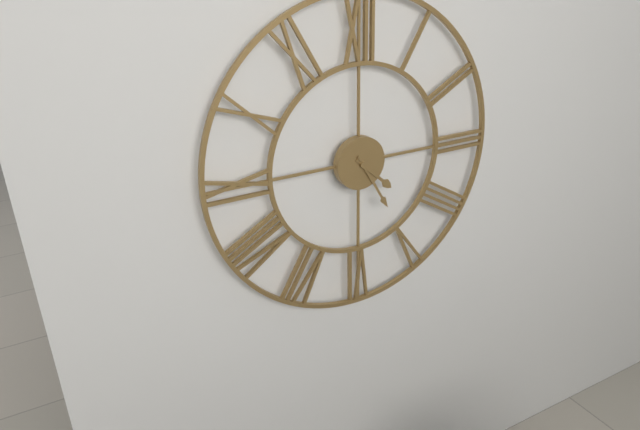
**4:25**
